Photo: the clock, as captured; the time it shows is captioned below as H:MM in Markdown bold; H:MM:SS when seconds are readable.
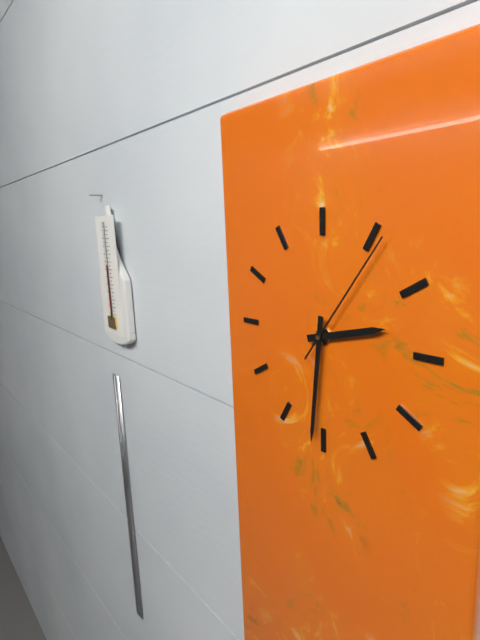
**2:31:06**
